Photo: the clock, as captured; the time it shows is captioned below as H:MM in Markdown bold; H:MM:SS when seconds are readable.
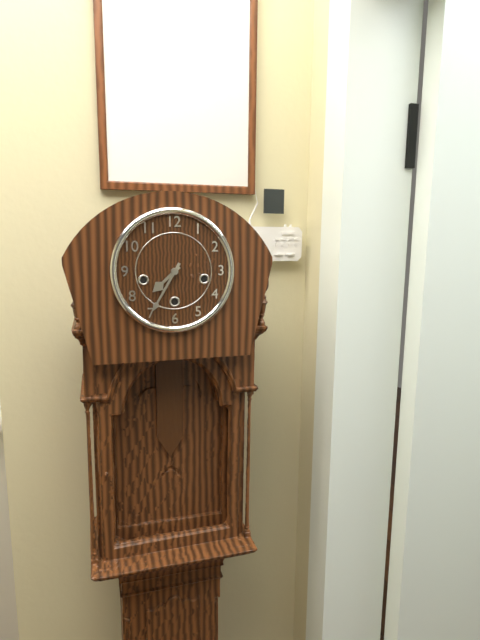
**7:35**
